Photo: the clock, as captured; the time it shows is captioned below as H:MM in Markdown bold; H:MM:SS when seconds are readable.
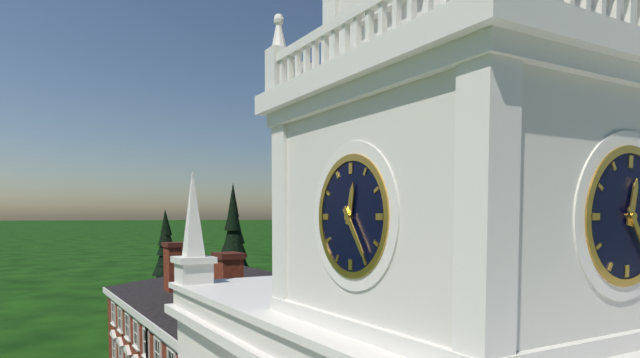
**12:24**
